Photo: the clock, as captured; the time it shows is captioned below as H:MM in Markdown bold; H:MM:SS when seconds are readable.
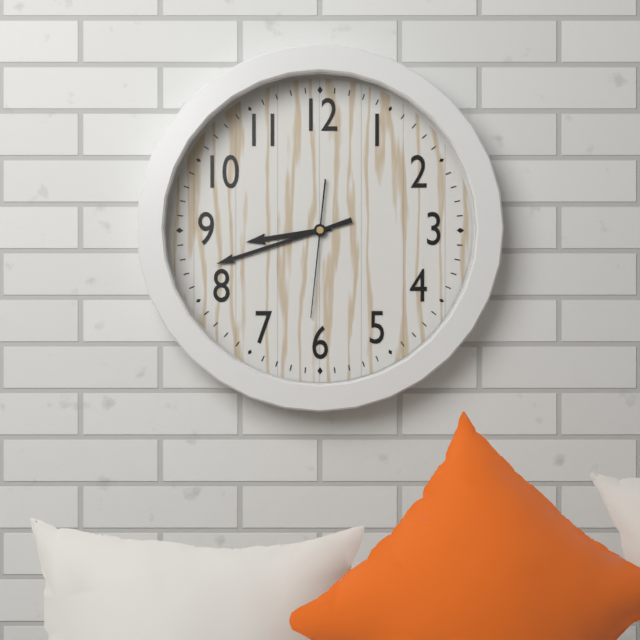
**8:42:31**
